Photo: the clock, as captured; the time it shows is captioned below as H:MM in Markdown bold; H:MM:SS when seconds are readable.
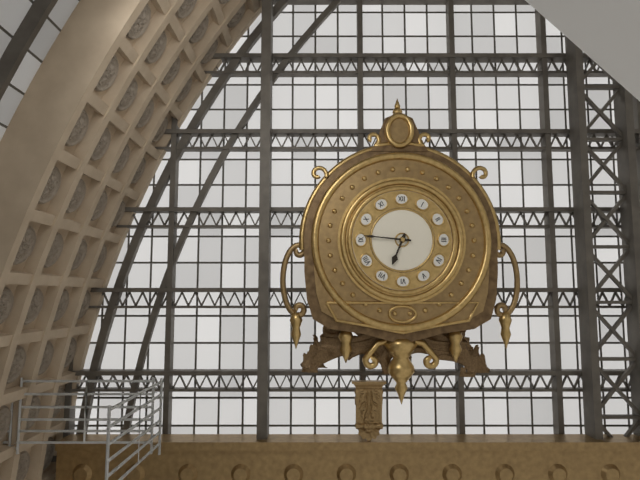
**6:46**
